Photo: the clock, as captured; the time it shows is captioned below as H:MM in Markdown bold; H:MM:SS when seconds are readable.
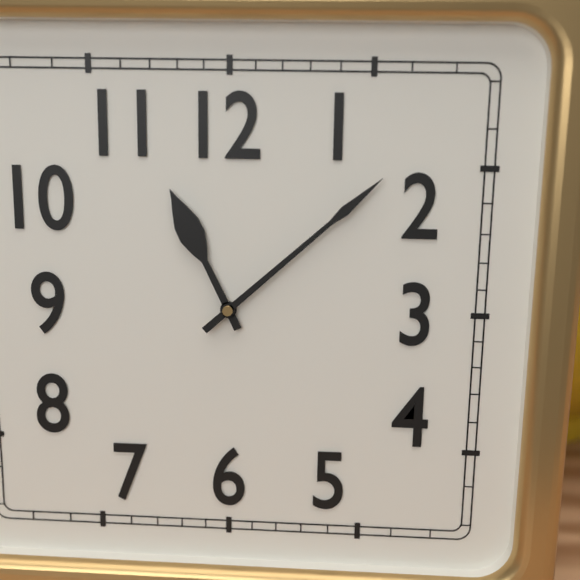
**11:08**
